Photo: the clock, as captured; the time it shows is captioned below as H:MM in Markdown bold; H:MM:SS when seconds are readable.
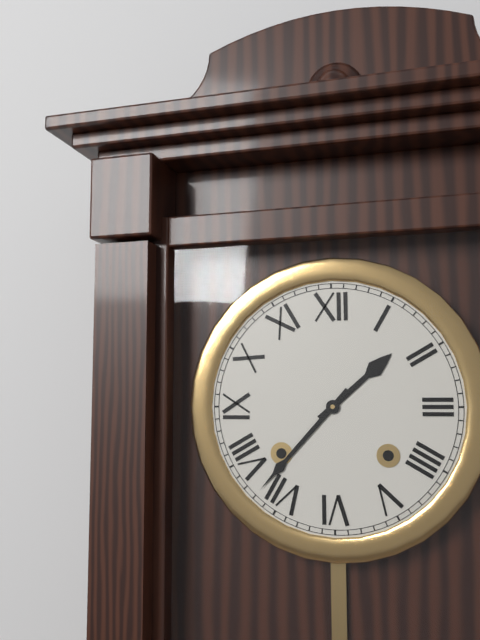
**1:37**
